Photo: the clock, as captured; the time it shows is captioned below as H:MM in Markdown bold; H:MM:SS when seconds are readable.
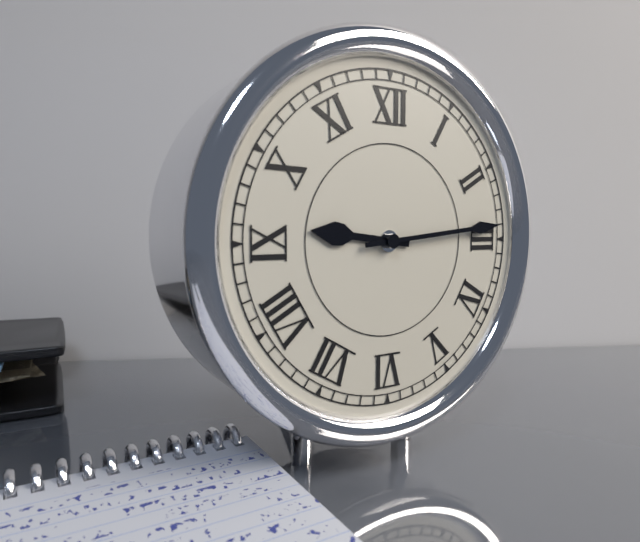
**9:14**
